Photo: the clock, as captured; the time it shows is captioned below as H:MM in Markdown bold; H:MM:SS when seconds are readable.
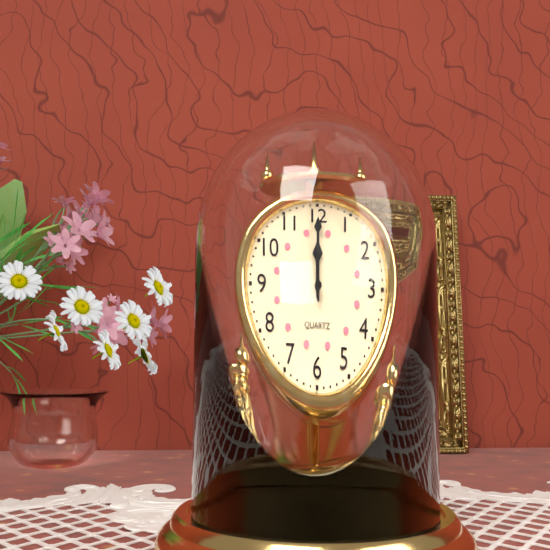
**12:00**
